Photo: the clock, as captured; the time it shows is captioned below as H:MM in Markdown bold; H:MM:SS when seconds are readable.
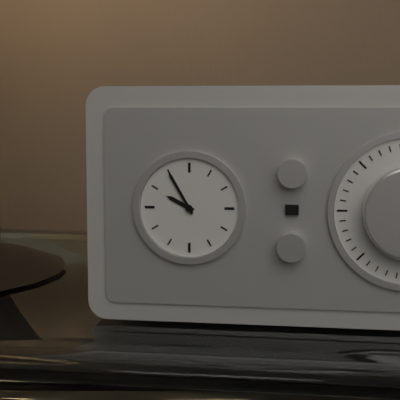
**9:55**
